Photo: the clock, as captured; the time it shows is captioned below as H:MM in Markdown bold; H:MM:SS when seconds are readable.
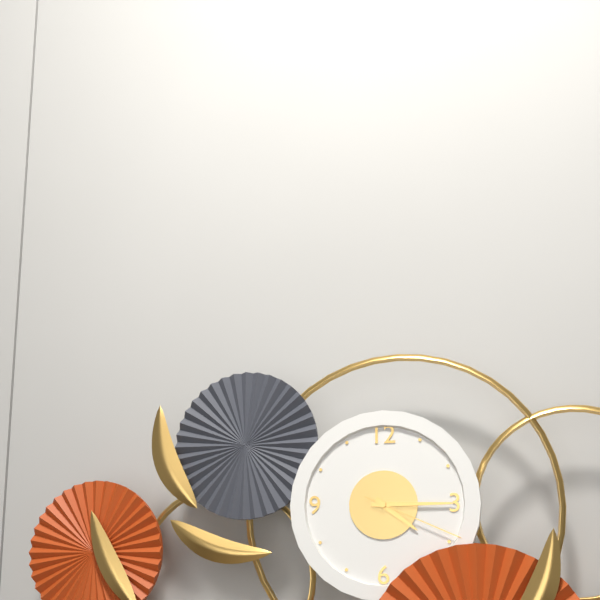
**4:15:19**
